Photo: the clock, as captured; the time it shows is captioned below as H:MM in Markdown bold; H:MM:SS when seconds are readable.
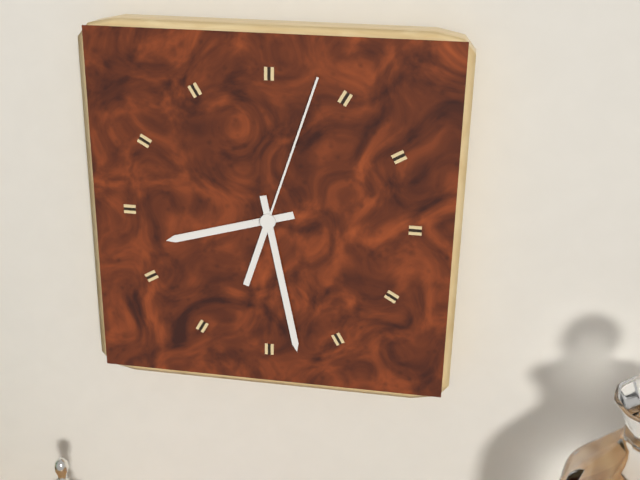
**8:28:03**
